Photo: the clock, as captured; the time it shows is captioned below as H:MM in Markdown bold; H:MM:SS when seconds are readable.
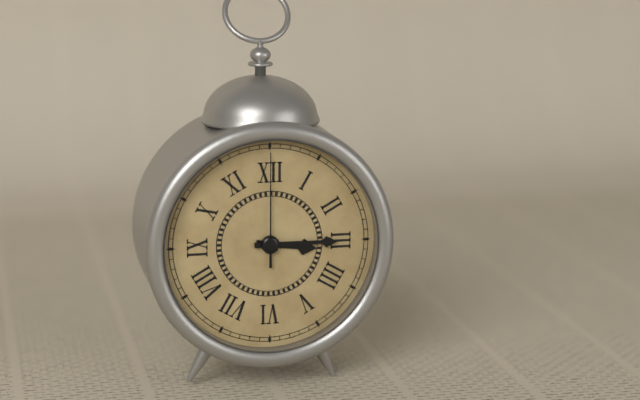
**3:15:00**
